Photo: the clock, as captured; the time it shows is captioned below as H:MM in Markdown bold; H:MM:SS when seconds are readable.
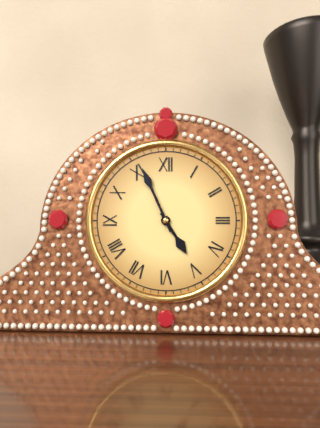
**4:56**
